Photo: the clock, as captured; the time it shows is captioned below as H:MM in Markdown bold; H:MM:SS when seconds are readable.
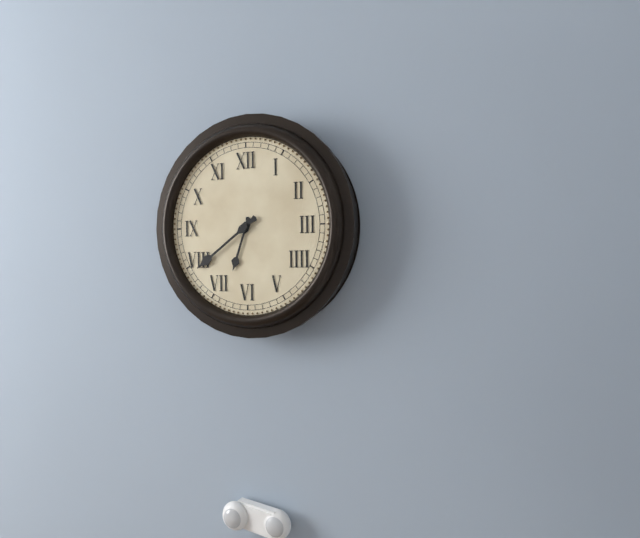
**6:39**
